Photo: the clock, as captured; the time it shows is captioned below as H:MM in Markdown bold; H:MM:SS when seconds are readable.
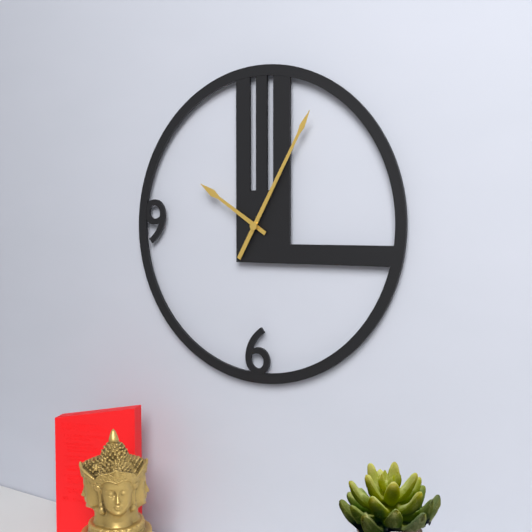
**10:05**
